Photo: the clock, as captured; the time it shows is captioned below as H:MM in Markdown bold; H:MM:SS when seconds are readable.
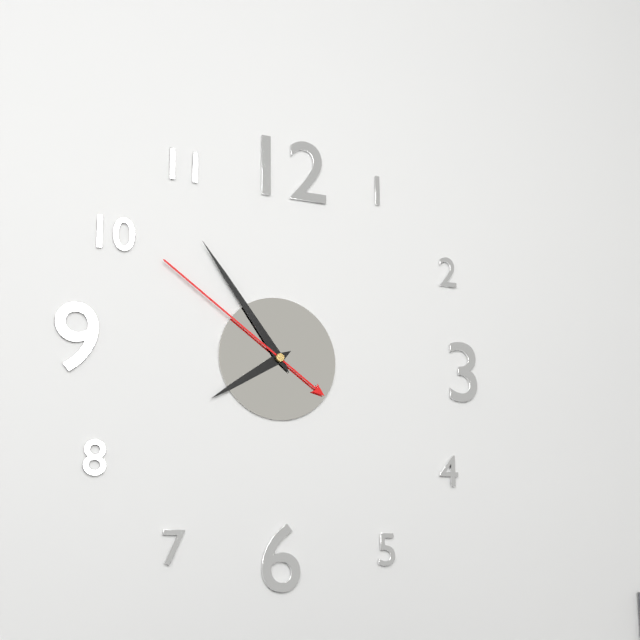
**7:54:51**
